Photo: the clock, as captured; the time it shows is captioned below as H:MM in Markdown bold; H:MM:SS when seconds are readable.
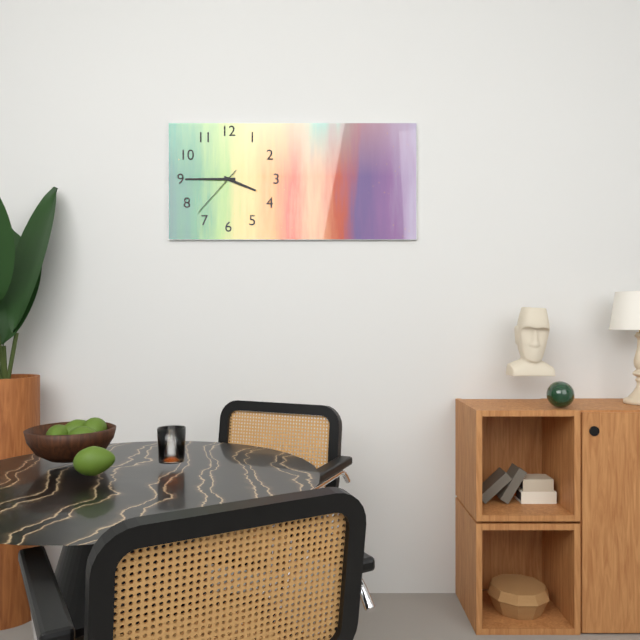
**3:45:37**
